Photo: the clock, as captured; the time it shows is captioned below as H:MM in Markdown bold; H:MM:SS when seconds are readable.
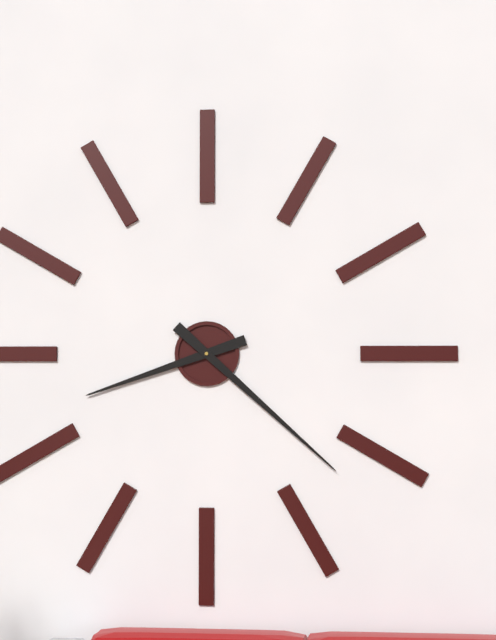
**8:22**
